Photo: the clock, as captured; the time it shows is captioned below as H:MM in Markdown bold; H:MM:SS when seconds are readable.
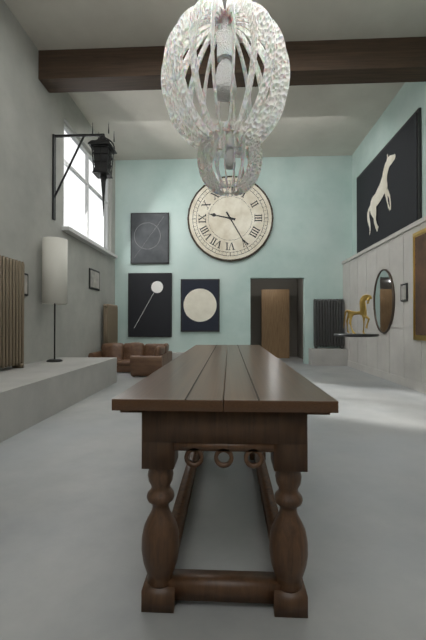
**9:25**
